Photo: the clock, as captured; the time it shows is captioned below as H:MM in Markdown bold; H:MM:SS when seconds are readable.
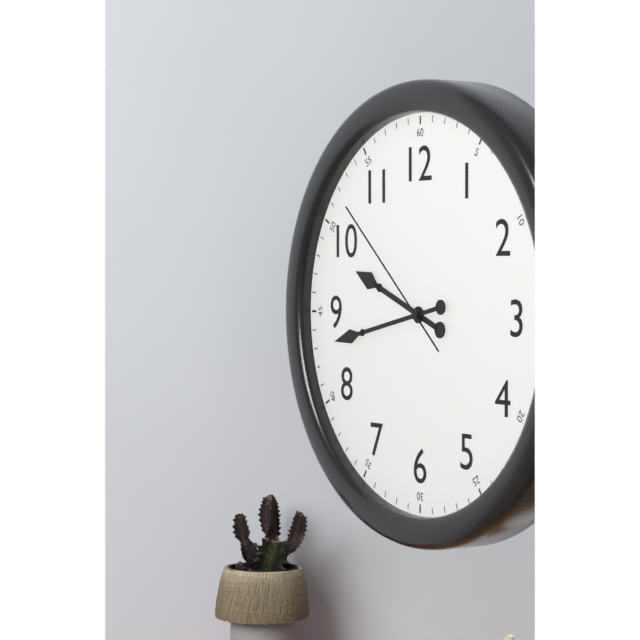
**9:43:52**
